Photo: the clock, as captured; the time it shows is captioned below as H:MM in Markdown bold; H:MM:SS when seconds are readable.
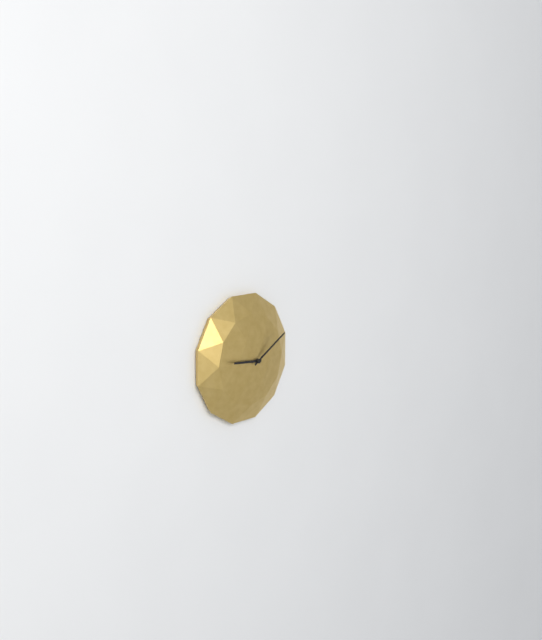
**9:10**
